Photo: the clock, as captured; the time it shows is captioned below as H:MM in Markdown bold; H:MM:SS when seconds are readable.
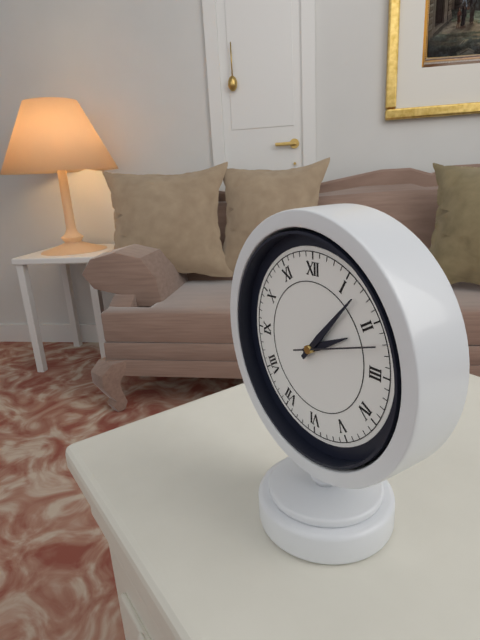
**2:07:12**
